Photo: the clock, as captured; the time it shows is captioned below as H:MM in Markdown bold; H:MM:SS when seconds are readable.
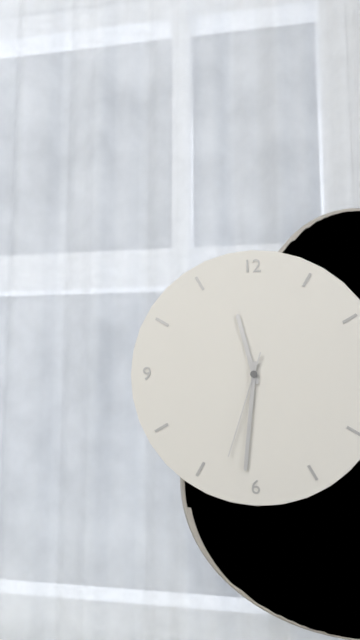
**11:31:33**
